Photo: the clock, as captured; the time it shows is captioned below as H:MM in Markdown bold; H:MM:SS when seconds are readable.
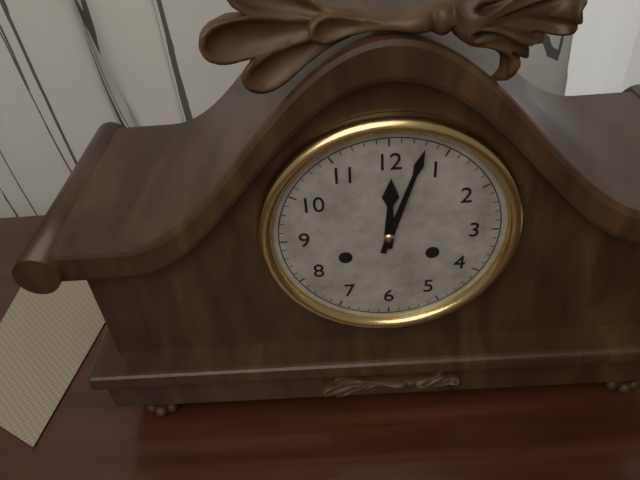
**12:03**
